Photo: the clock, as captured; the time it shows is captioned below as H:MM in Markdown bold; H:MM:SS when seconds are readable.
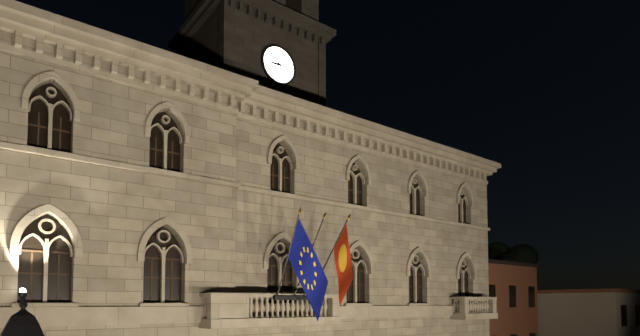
**8:52**
